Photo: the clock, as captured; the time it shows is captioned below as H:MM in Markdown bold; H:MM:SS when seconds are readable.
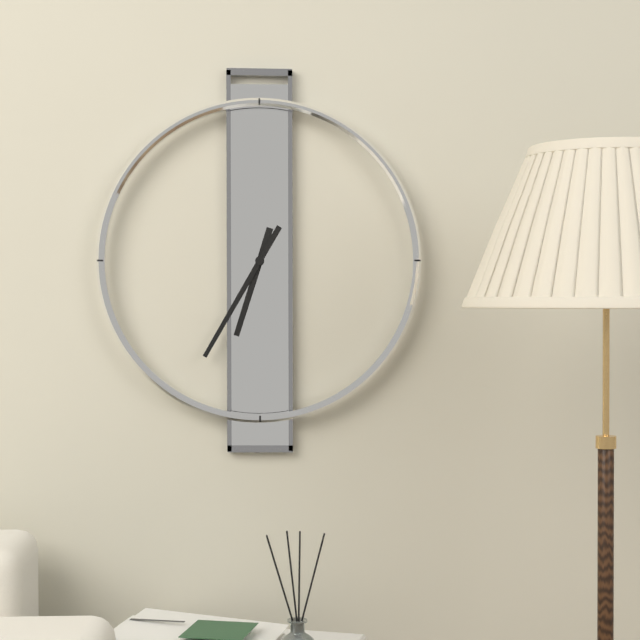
**6:35**
